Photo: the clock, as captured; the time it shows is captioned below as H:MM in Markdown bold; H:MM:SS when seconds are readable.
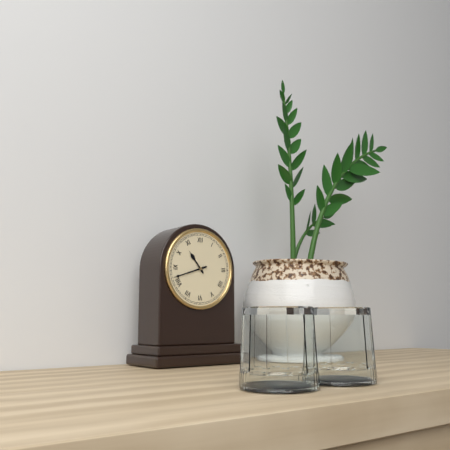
**10:42**
